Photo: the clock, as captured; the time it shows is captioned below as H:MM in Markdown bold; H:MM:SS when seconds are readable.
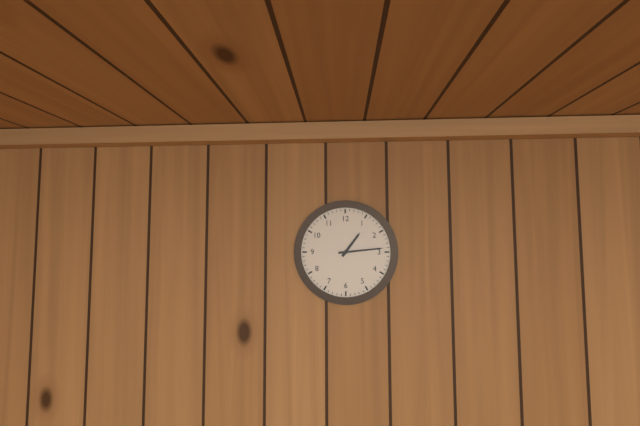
**1:14**
